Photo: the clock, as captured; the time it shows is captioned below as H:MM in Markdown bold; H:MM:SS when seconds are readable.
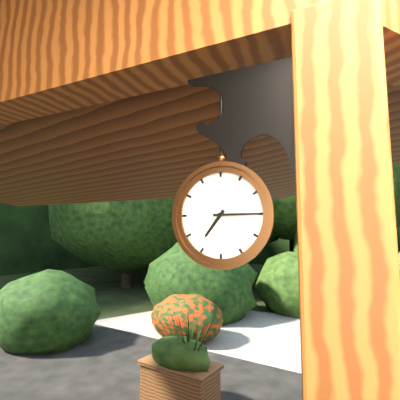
**7:15**
